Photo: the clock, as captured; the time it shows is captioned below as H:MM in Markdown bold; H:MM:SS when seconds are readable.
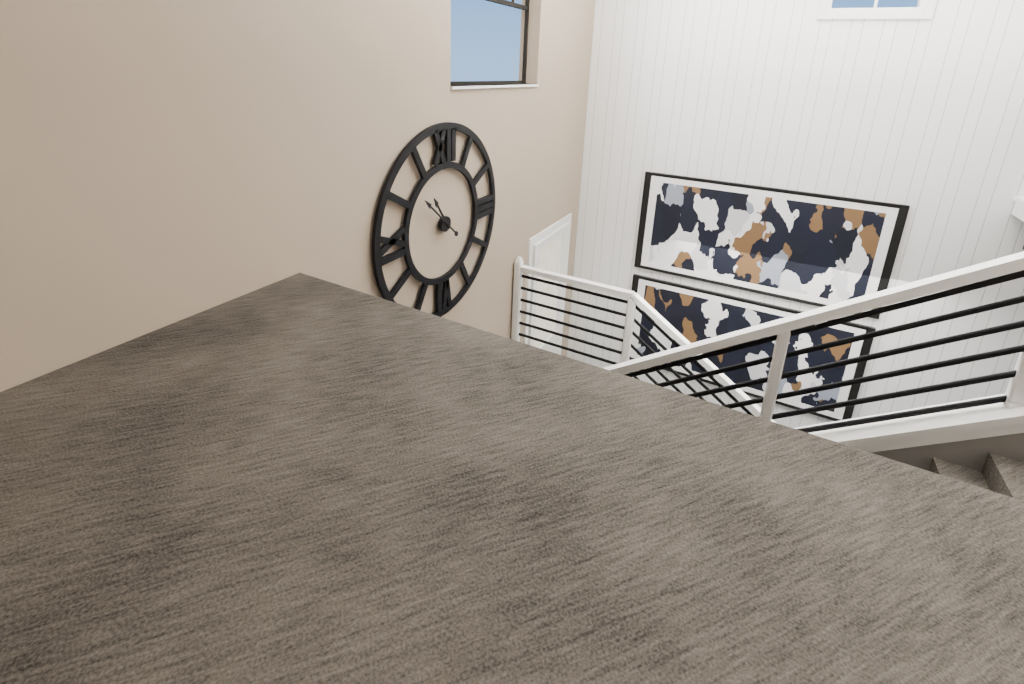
**10:52**
